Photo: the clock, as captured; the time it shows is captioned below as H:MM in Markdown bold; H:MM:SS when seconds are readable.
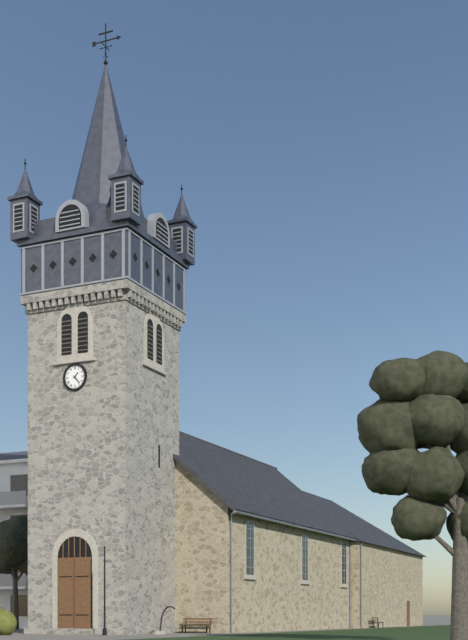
**1:23**
